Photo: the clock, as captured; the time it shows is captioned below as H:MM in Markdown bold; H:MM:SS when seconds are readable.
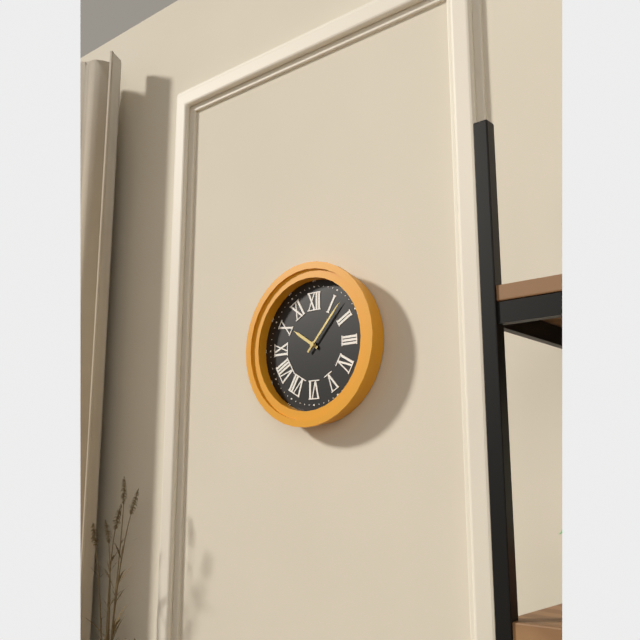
**10:07**
